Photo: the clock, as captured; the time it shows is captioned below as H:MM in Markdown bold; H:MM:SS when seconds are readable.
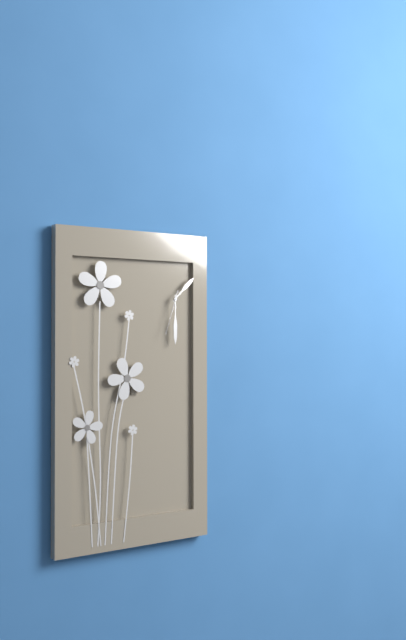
**1:30**
